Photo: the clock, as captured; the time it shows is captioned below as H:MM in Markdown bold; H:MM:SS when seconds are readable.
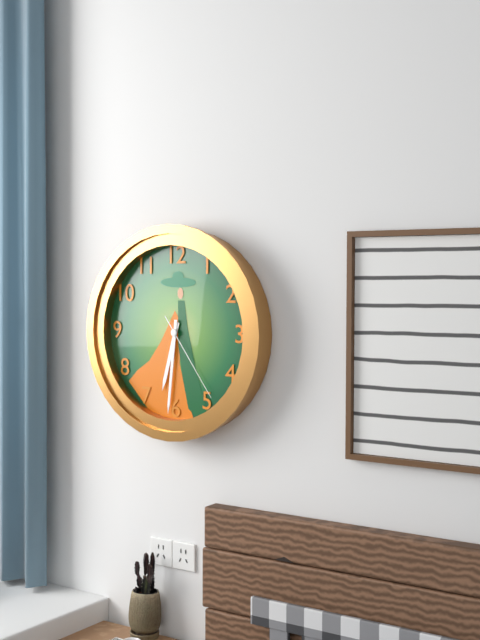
**6:31:24**
